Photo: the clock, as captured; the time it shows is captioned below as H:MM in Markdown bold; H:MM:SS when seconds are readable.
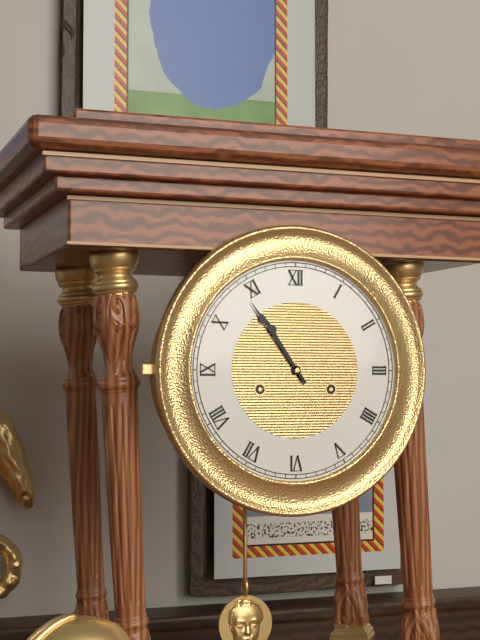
**10:54**
